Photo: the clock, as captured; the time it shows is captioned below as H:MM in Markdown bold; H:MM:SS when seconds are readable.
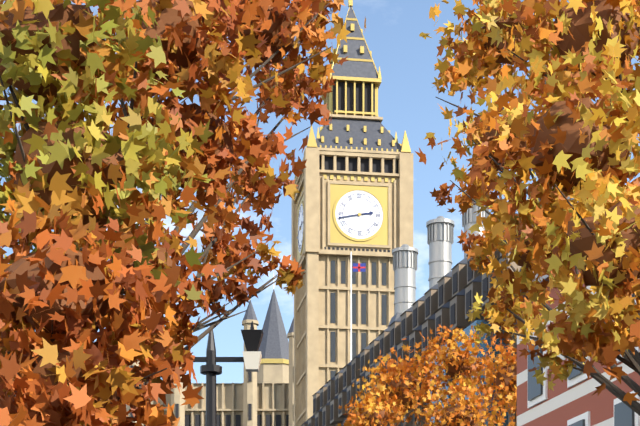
**2:43**
